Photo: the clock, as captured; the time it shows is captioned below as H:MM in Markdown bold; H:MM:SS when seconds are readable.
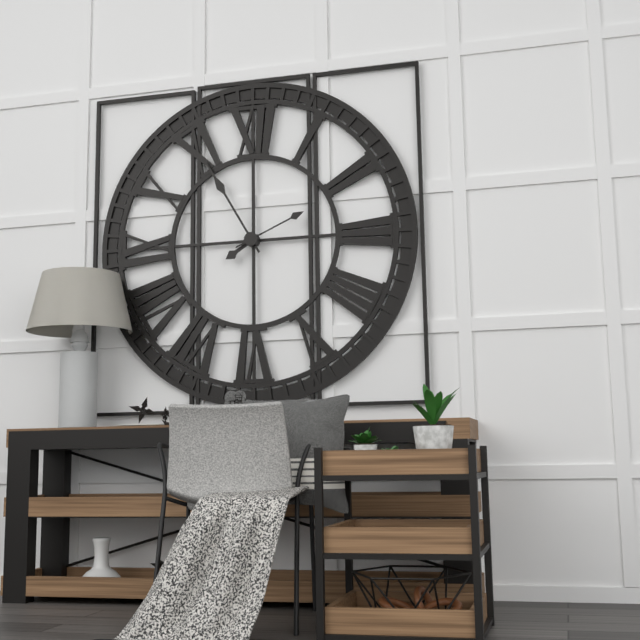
**7:55:11**
